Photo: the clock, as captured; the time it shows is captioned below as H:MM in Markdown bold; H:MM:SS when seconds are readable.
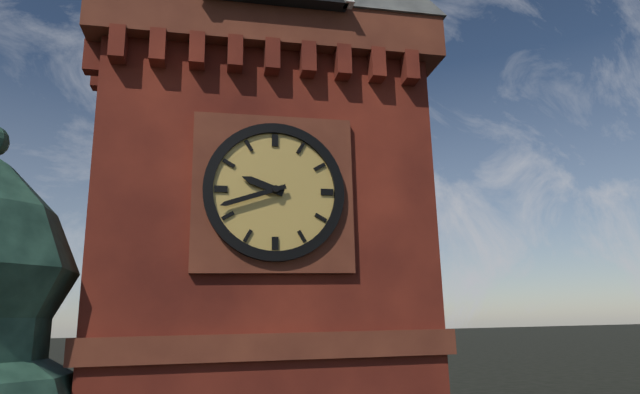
**9:42**
